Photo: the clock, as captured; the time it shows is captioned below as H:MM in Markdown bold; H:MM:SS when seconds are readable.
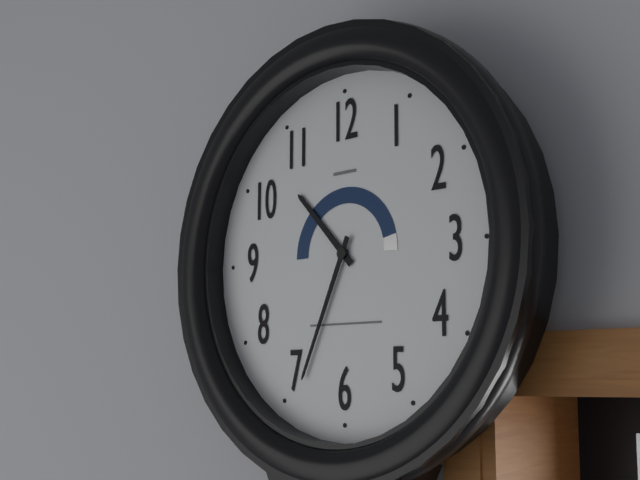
**10:34**
